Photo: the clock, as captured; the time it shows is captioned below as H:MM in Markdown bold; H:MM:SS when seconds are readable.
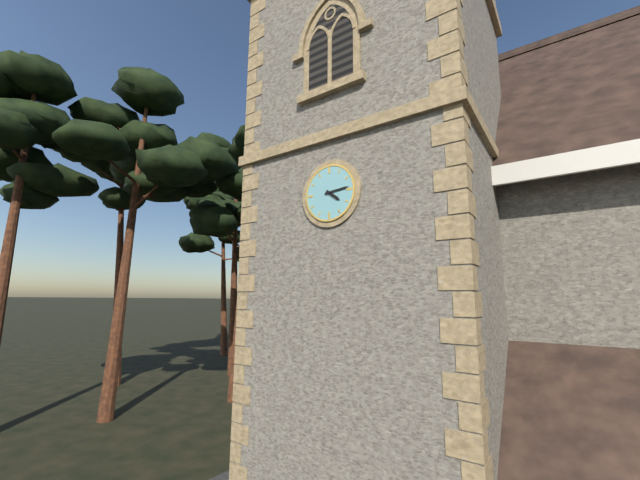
**4:14**
